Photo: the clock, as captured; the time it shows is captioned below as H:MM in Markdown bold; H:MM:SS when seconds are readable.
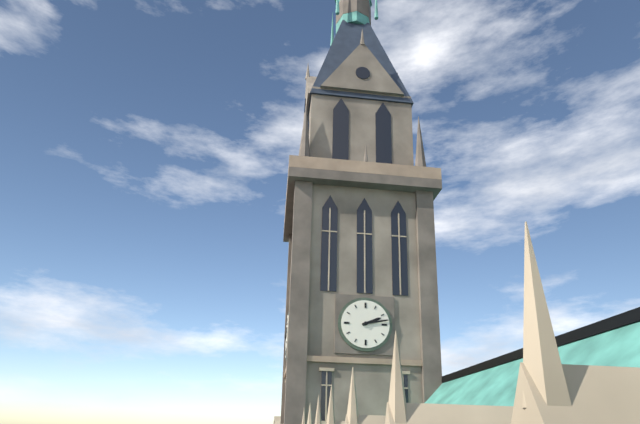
**2:13**
